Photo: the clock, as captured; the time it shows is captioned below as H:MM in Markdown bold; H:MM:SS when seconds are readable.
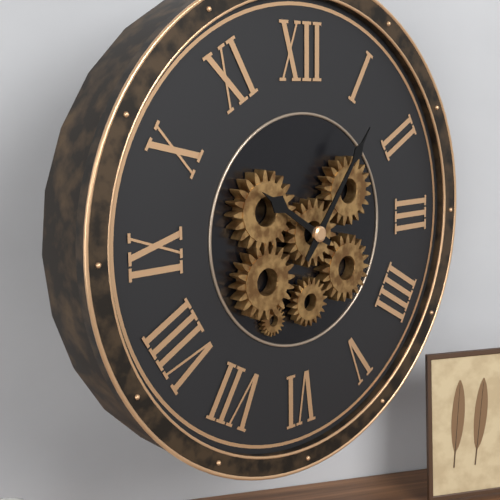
**10:06**
